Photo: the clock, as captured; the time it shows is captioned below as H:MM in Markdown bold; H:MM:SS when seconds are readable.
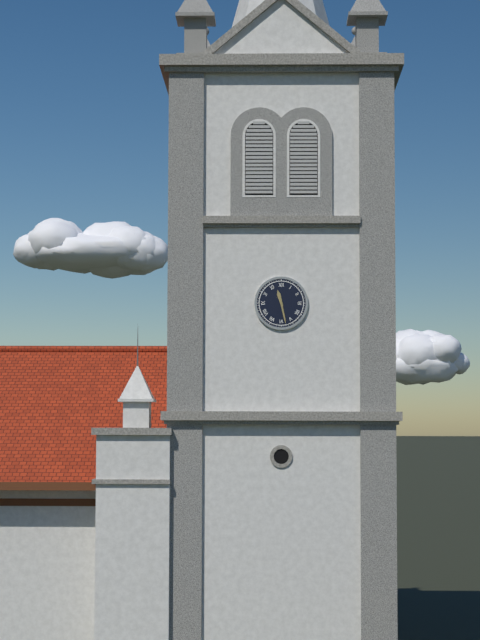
**11:28**
